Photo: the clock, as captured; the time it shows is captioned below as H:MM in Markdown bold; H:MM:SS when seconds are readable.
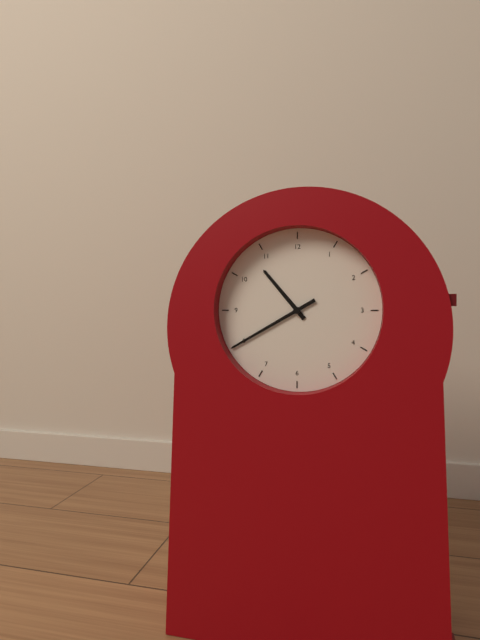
**10:40**
